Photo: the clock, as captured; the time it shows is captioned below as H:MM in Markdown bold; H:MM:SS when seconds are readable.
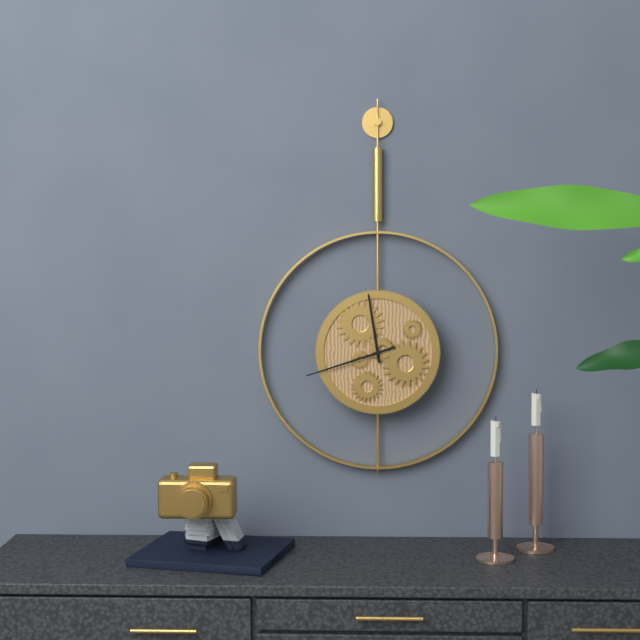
**11:42**
